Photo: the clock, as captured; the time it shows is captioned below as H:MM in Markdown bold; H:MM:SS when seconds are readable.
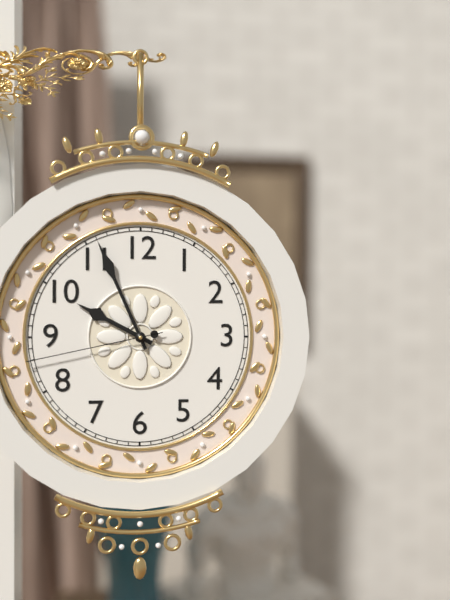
**9:56:43**
